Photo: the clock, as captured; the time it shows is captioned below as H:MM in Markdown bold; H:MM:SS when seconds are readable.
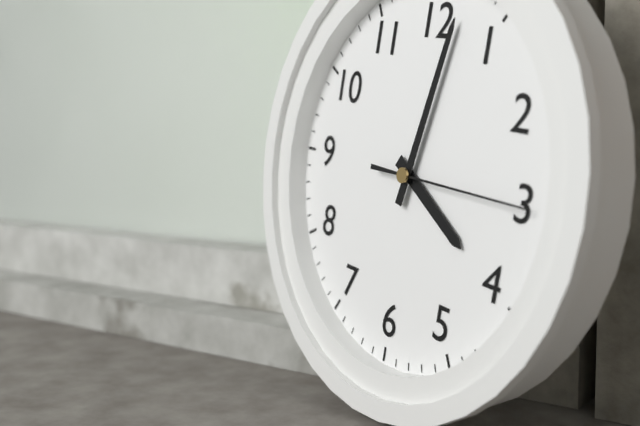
**4:02:15**
